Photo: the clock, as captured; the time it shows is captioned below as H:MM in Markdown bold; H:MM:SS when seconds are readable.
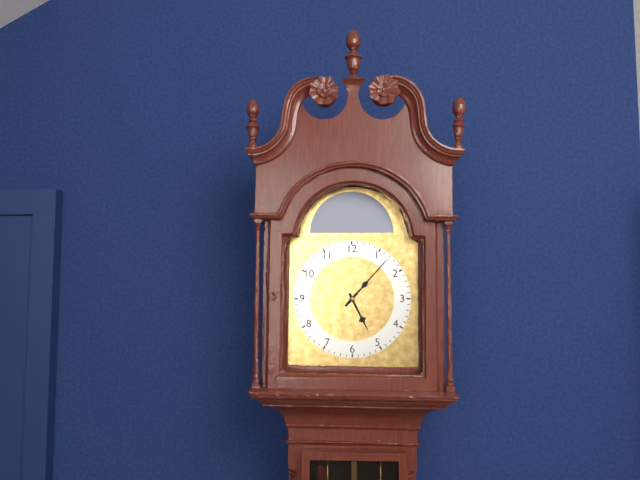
**5:07**
